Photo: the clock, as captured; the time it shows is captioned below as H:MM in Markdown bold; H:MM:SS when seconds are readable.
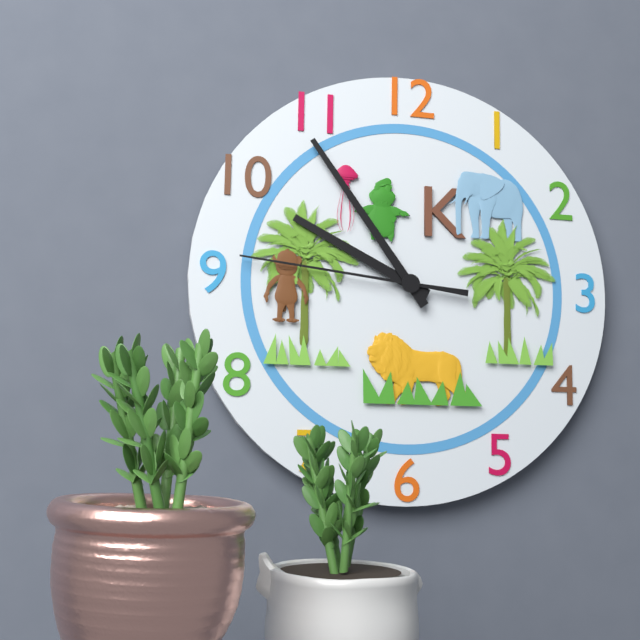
**9:54:46**
